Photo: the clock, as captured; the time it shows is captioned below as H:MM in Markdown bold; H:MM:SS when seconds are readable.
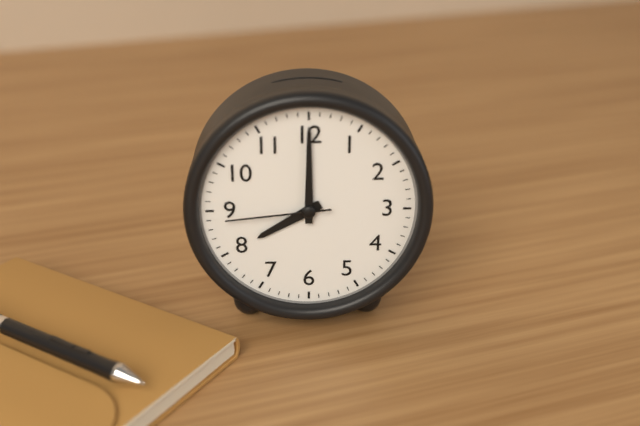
**8:00:44**
